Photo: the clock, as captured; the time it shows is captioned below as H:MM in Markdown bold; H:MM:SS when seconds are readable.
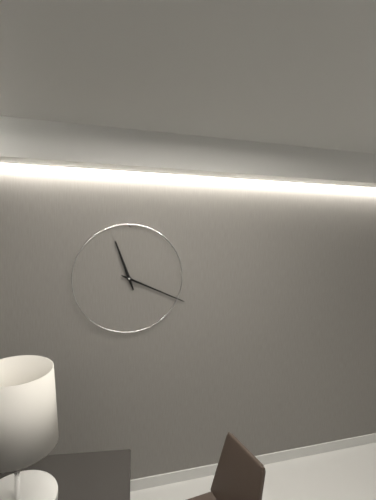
**11:19**
